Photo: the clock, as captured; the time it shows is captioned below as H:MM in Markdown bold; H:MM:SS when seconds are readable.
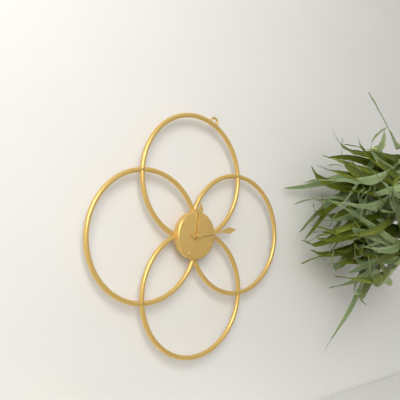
**12:14**
